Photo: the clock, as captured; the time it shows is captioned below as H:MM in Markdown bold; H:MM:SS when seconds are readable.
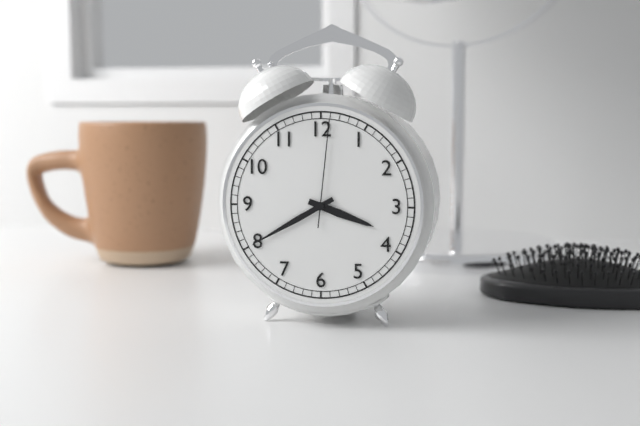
**3:40:01**
